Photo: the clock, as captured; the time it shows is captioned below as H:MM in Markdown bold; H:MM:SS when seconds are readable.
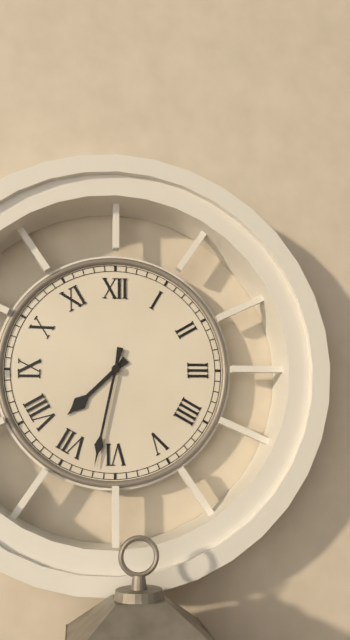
**7:32**
